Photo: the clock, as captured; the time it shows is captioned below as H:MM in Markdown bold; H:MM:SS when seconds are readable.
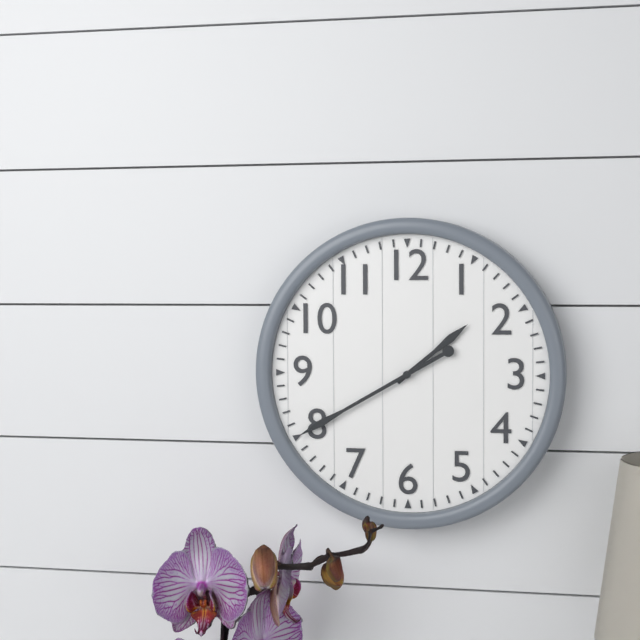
**1:40**
